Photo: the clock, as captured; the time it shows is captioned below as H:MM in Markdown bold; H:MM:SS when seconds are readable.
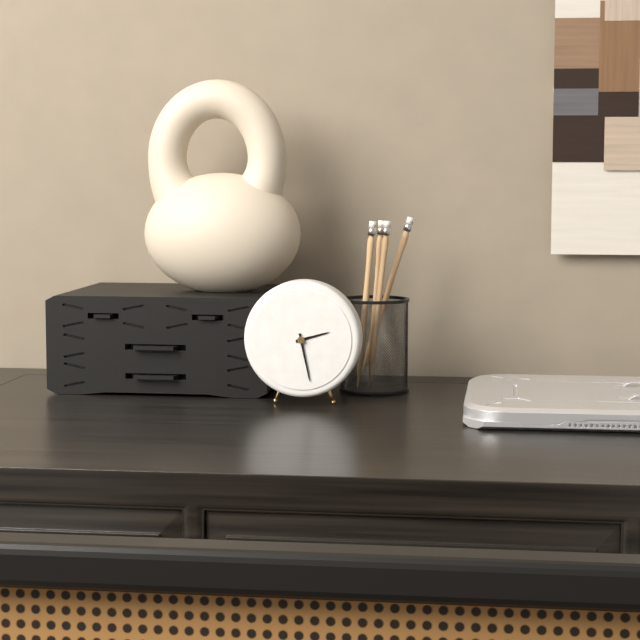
**2:28**
